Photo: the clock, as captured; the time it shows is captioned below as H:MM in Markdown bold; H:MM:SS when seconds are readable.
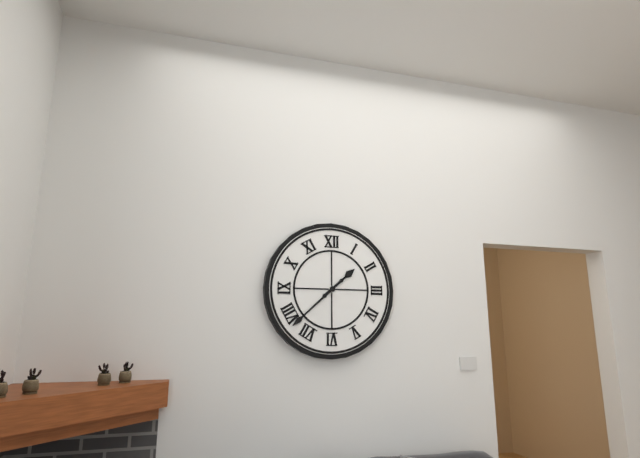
**1:38**
